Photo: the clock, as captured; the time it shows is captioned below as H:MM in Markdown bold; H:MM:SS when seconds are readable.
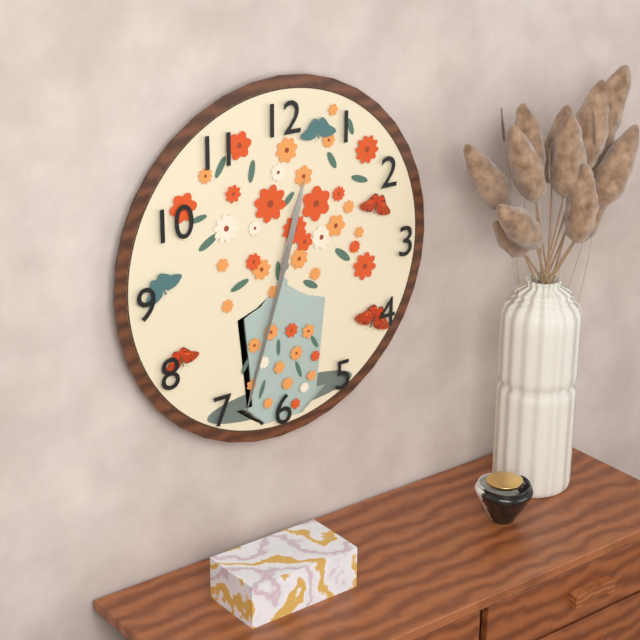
**12:33**
